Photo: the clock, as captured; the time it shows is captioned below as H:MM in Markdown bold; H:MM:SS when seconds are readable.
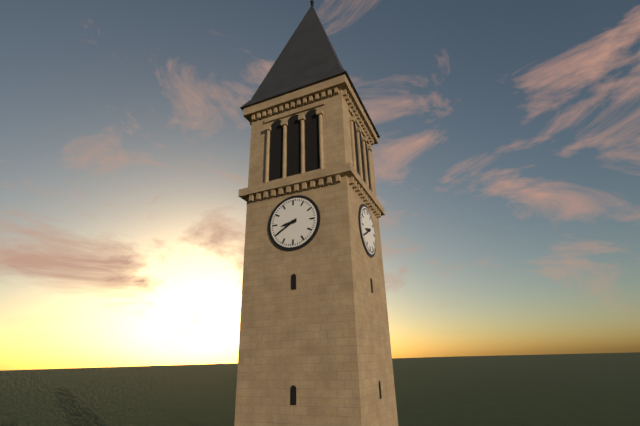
**8:40**
